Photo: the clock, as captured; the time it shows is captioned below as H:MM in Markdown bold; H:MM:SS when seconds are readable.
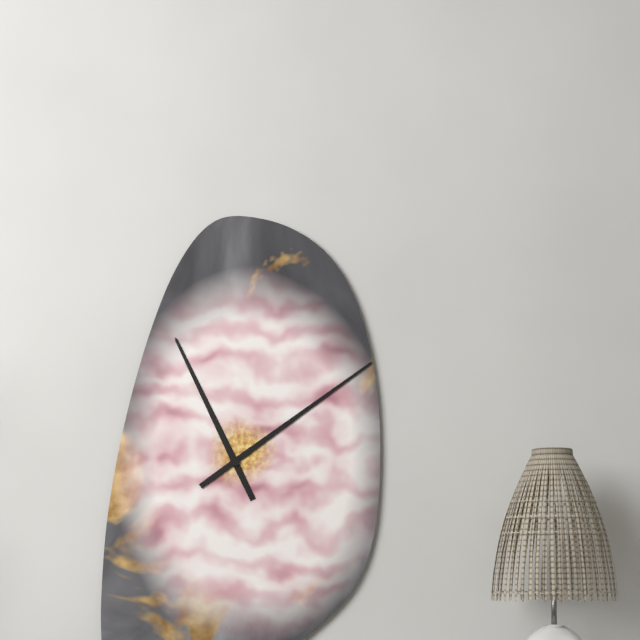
**11:09**
